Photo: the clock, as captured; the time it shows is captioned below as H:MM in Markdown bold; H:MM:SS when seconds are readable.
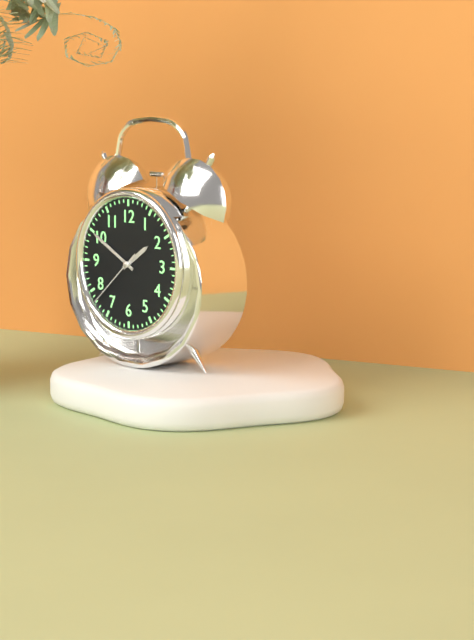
**1:50:38**
